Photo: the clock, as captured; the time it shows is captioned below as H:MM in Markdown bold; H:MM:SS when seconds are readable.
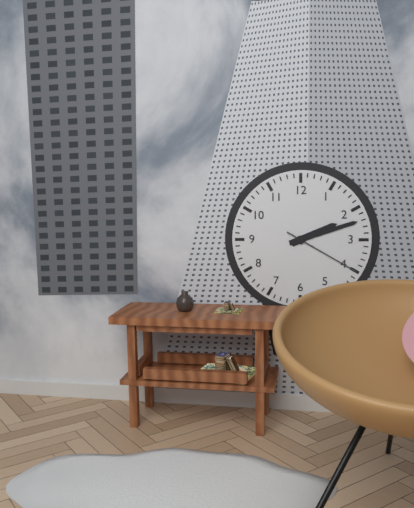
**2:12:20**
